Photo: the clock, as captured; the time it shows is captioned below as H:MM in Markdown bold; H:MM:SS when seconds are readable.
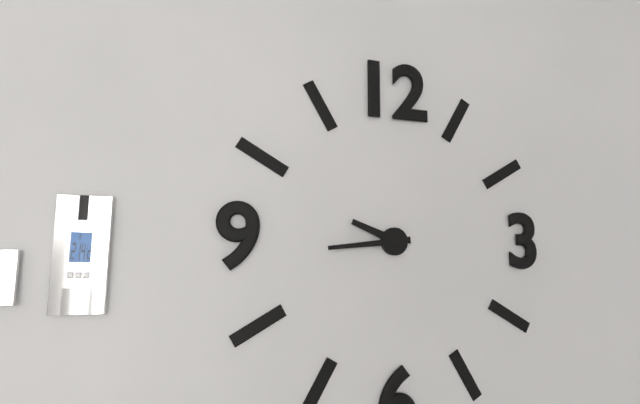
**9:44**
